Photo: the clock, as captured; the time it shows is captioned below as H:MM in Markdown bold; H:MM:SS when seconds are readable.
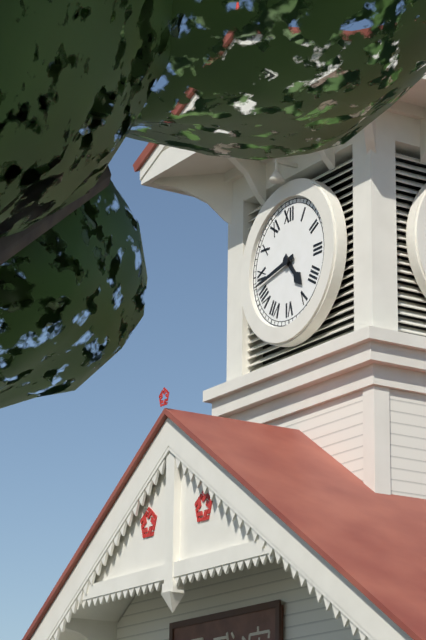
**4:43**
